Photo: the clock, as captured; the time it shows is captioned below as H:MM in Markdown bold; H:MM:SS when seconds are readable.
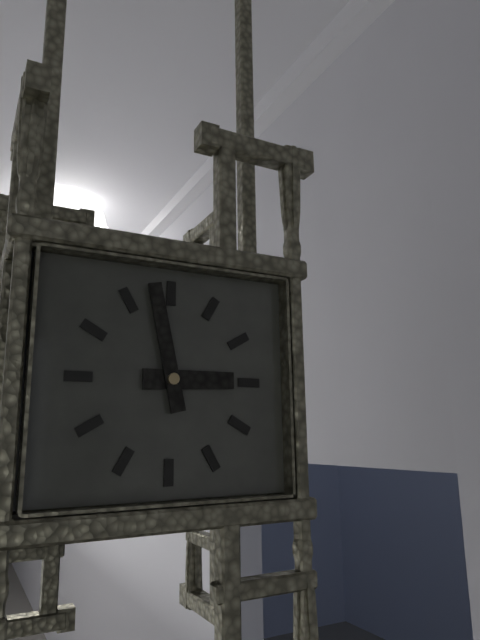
**2:58**
